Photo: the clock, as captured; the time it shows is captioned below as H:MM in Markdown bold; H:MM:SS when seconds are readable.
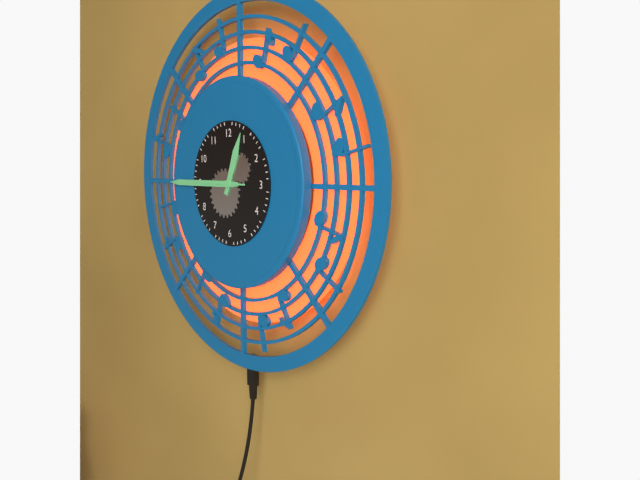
**12:45:45**
